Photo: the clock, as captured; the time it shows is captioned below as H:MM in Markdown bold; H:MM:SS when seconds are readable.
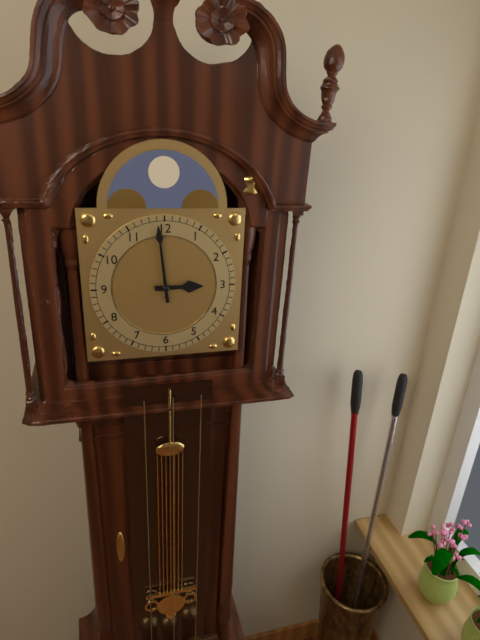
**2:59**
